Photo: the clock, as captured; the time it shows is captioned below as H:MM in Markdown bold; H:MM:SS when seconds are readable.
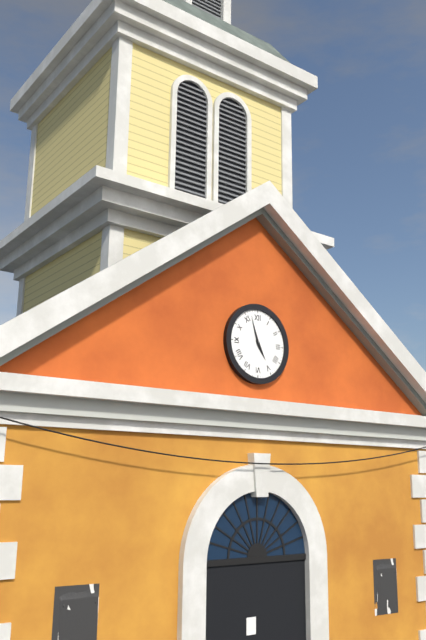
**4:57**
